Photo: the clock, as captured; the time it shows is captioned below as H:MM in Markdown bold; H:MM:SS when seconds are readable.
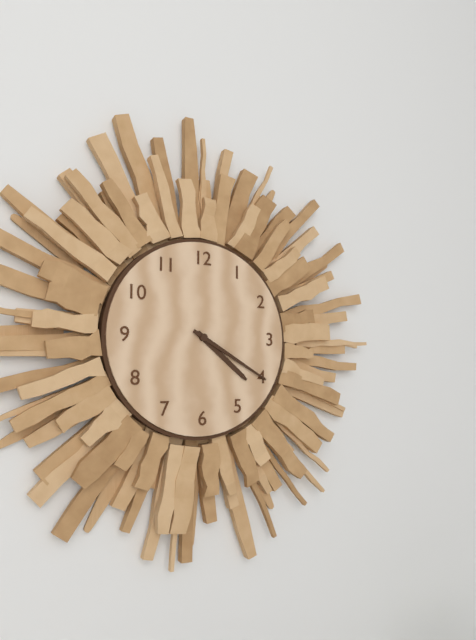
**4:20**
